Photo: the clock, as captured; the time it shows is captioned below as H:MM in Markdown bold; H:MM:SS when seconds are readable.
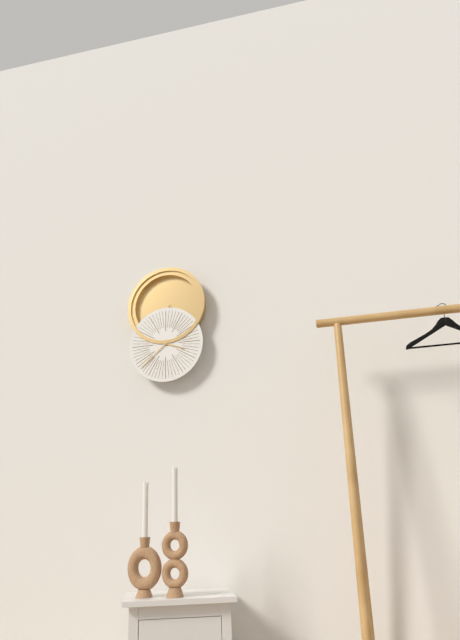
**3:38**
